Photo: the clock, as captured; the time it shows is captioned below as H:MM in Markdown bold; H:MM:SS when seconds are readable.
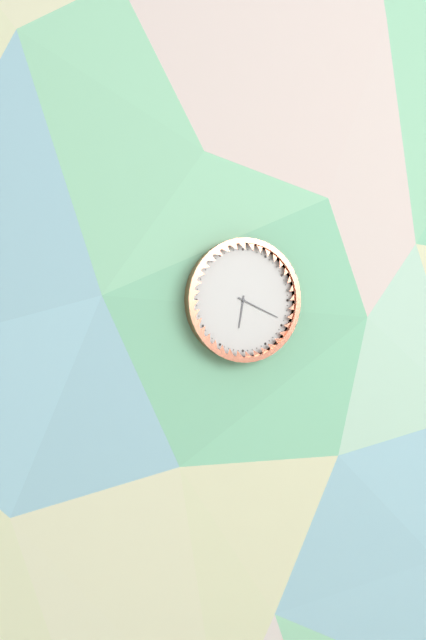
**6:19**
